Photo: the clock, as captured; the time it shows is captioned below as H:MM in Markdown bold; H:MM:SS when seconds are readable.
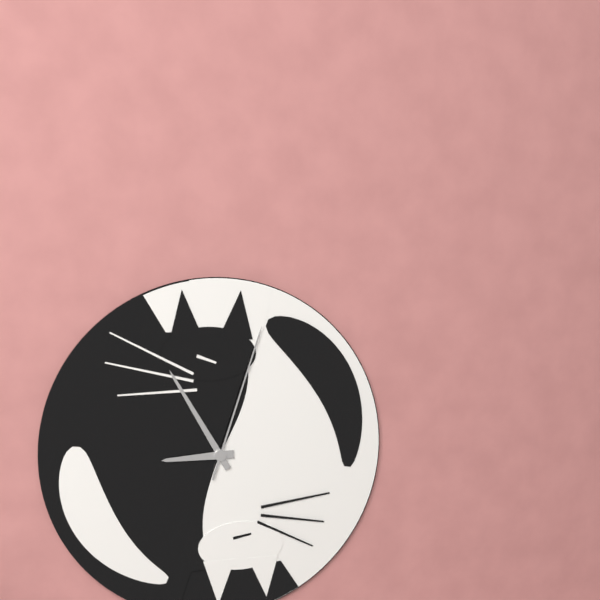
**8:55:03**
